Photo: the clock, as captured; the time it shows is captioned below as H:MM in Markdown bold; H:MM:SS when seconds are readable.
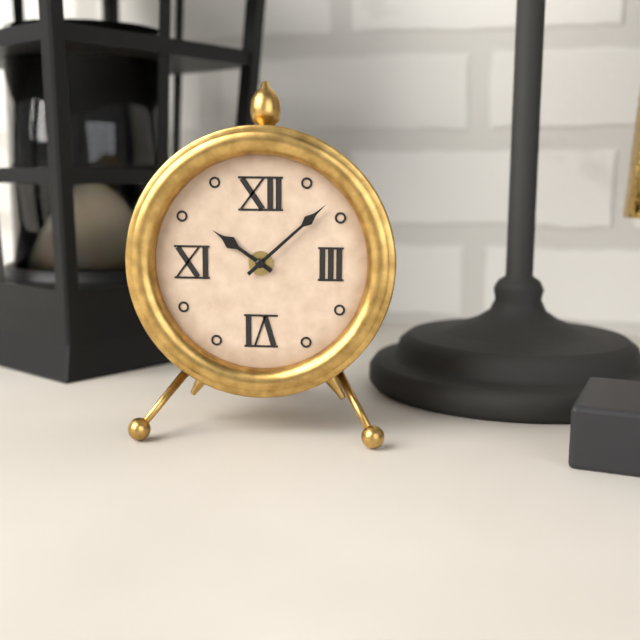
**10:08**
